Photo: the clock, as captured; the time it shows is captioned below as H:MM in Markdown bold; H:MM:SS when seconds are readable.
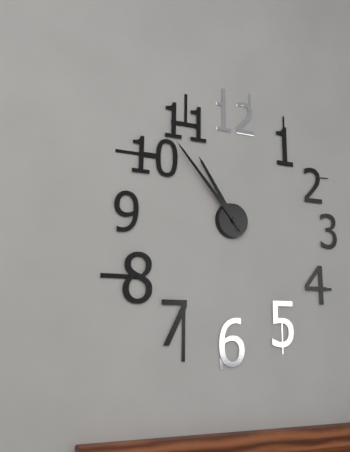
**10:53**
